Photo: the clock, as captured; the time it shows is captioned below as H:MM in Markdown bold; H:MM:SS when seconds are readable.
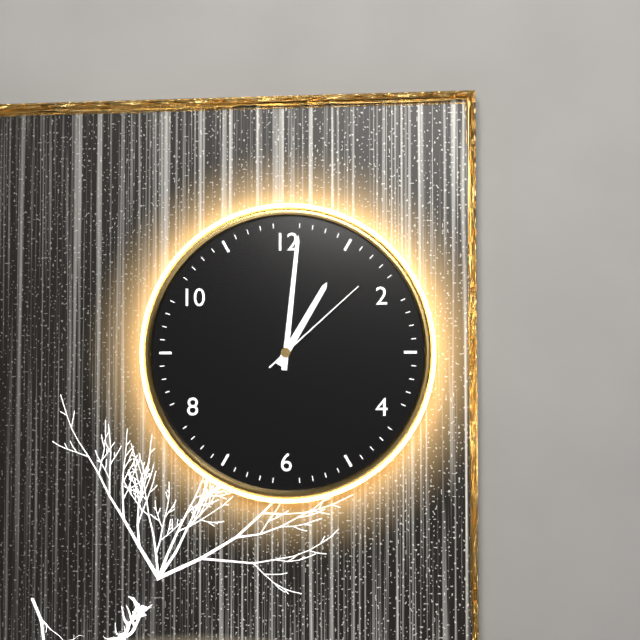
**1:01:08**
